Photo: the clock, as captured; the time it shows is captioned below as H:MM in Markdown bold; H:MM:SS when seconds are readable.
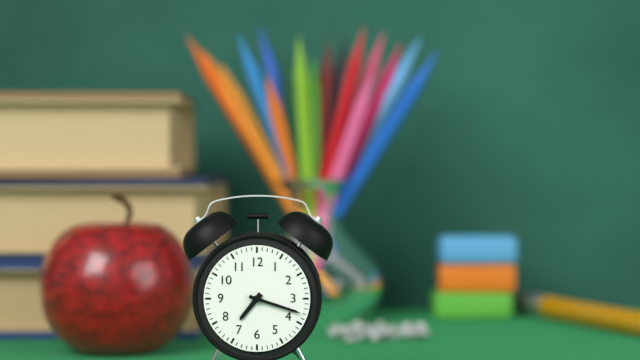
**7:18**
